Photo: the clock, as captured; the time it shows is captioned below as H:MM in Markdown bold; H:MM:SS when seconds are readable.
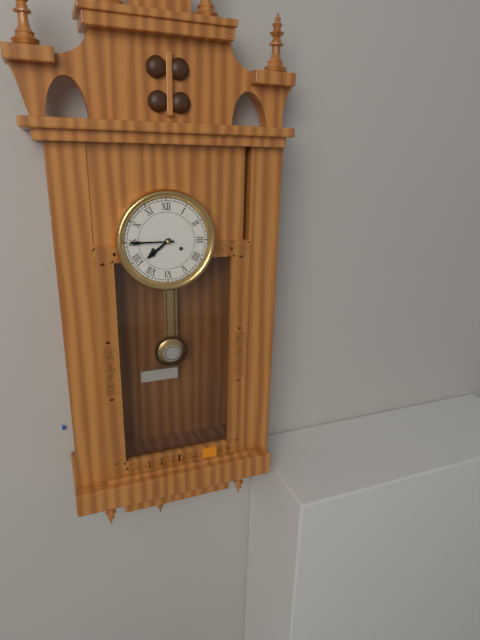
**7:45**
